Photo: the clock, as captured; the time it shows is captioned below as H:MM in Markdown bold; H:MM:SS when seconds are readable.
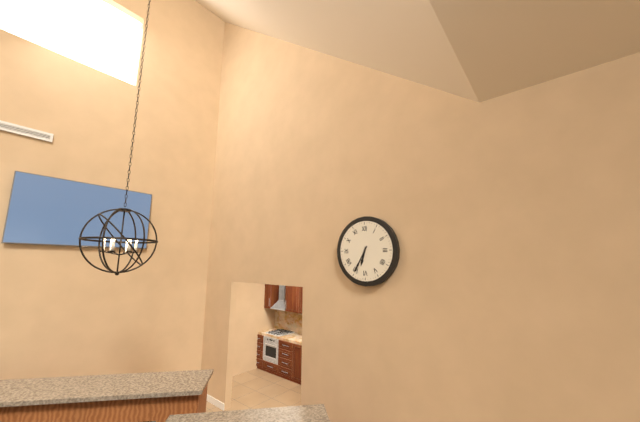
**6:35**
